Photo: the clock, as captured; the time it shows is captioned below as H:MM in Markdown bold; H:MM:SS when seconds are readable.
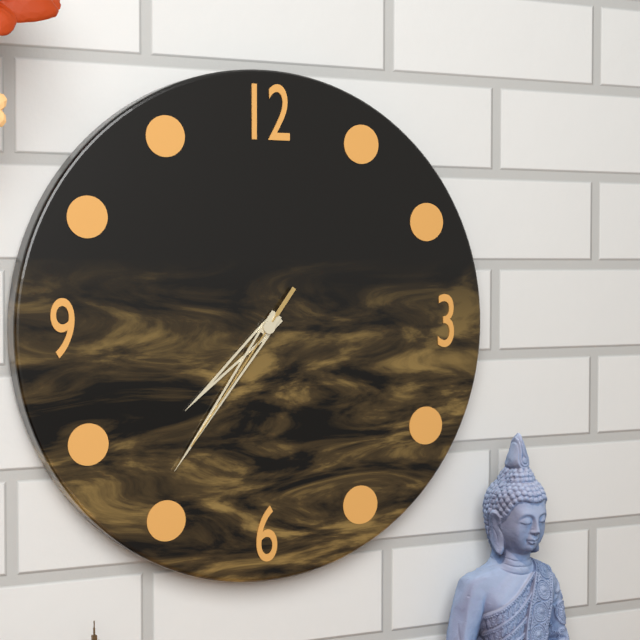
**7:36:36**
